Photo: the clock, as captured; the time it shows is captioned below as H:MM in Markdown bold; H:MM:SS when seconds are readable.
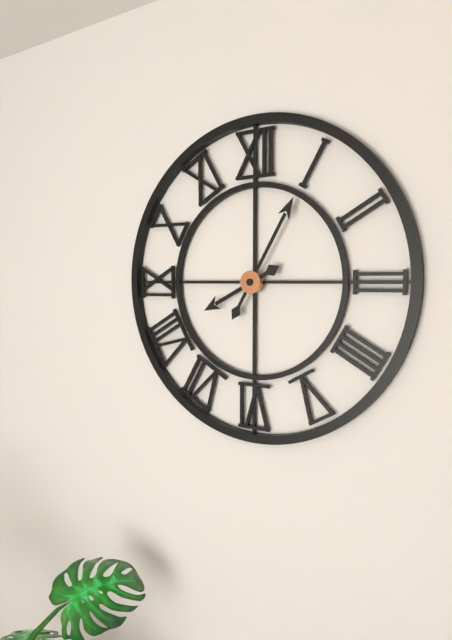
**8:05**
